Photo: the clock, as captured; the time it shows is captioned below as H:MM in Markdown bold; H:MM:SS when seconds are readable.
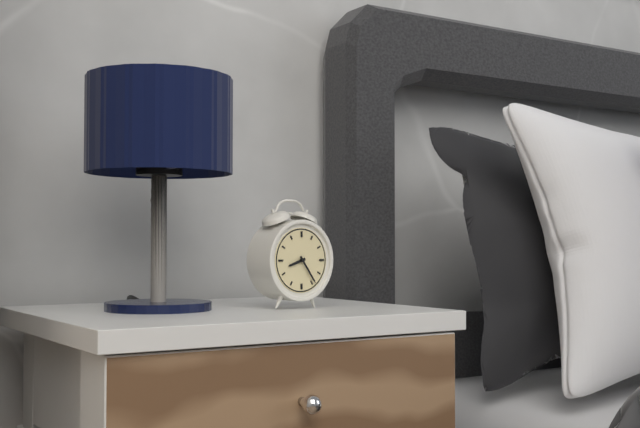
**8:24**
